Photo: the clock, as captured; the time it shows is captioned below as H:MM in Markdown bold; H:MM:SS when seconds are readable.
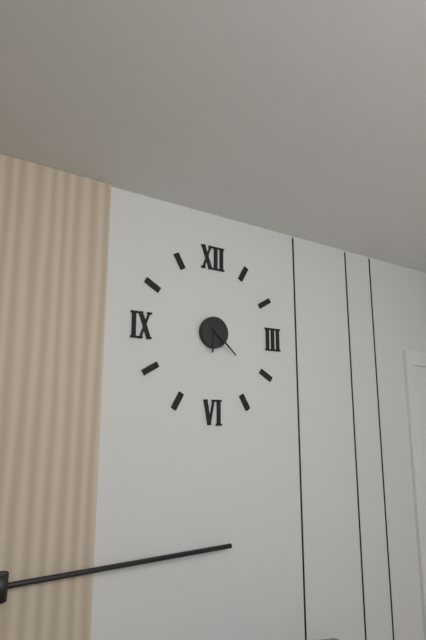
**6:22**
